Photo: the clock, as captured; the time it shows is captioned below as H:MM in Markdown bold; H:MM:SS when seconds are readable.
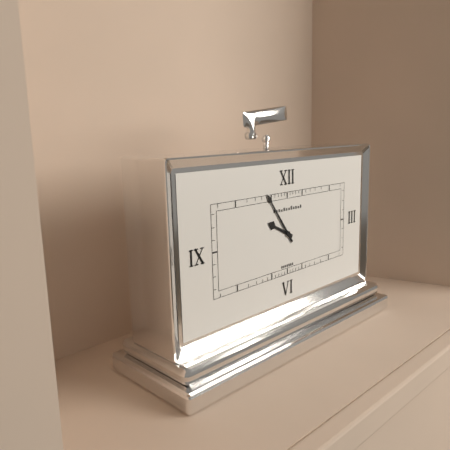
**9:54**
